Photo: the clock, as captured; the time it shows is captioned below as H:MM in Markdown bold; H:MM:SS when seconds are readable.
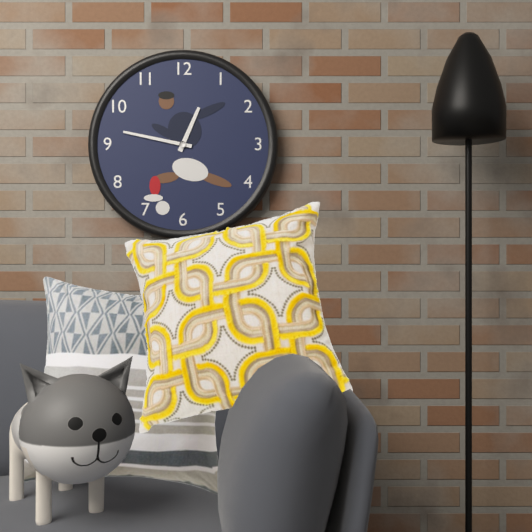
**12:47**
